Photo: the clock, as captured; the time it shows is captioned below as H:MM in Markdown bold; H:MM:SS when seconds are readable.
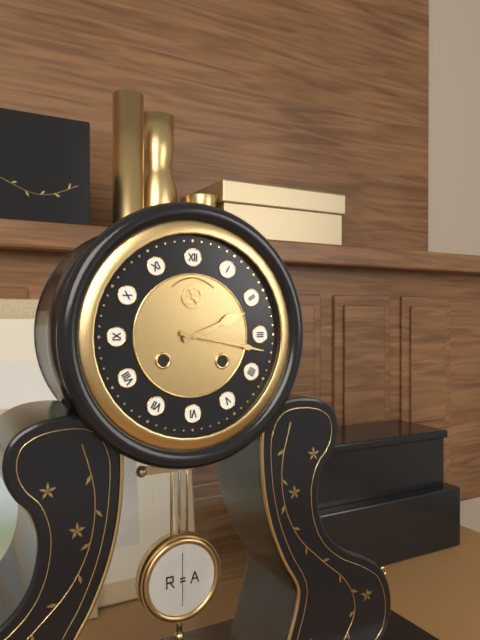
**2:17**
